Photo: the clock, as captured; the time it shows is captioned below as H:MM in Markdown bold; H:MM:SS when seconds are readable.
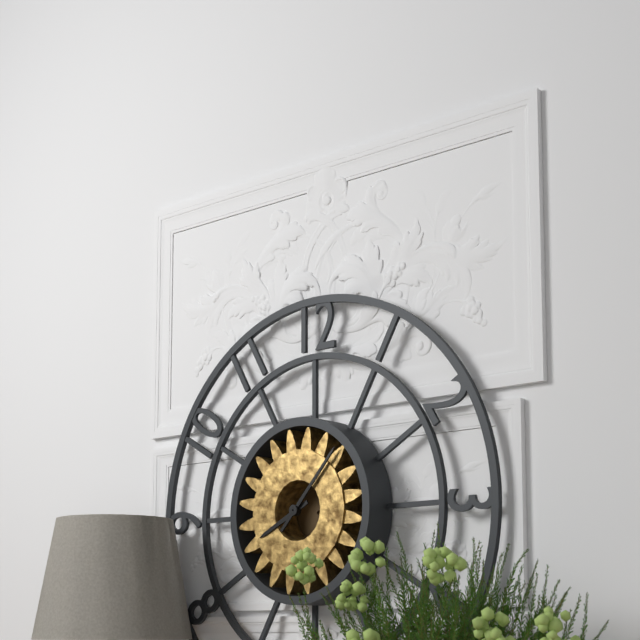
**8:07**
